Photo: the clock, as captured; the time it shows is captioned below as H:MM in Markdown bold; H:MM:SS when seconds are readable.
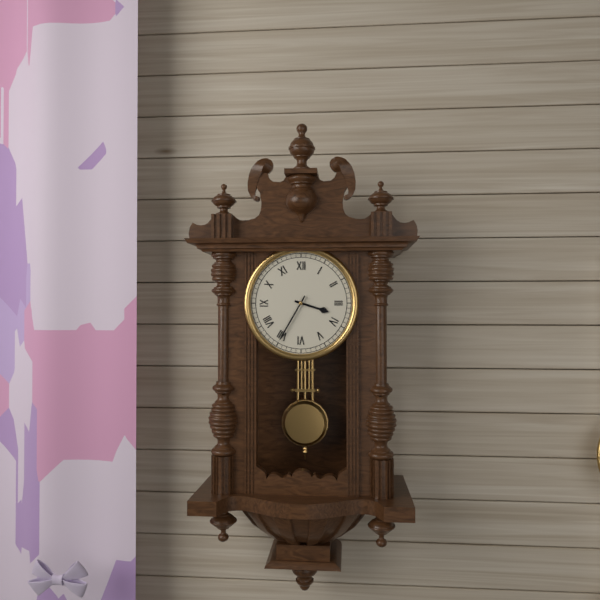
**3:35**
